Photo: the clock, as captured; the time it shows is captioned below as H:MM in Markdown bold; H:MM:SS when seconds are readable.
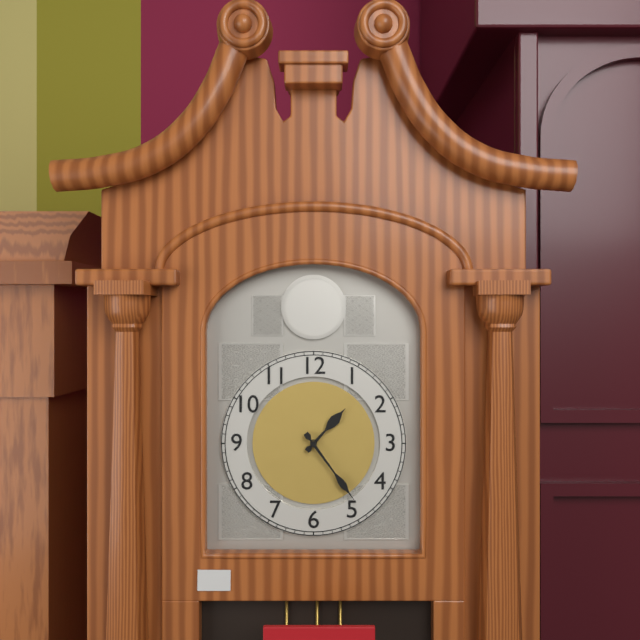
**1:24**
